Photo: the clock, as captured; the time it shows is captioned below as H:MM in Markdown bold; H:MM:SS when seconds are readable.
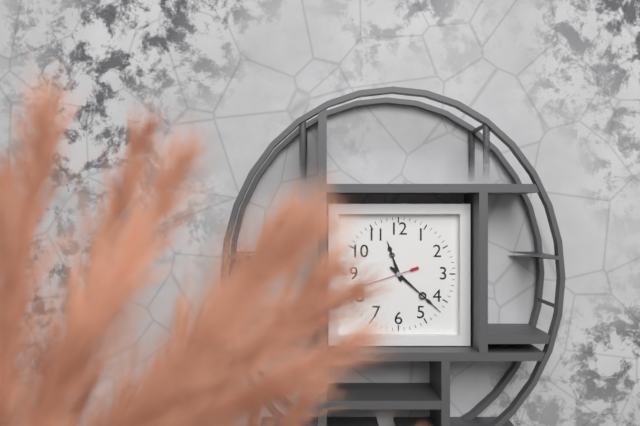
**11:22**
